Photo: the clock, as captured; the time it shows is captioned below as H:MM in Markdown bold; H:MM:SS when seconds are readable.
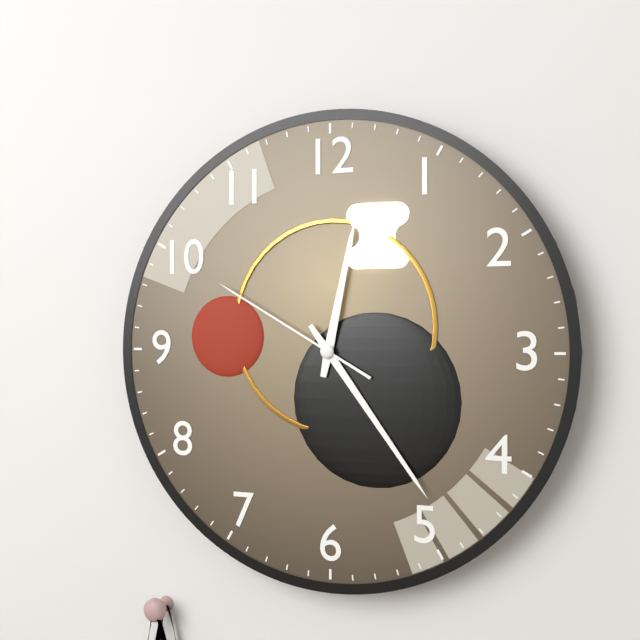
**12:24:50**
